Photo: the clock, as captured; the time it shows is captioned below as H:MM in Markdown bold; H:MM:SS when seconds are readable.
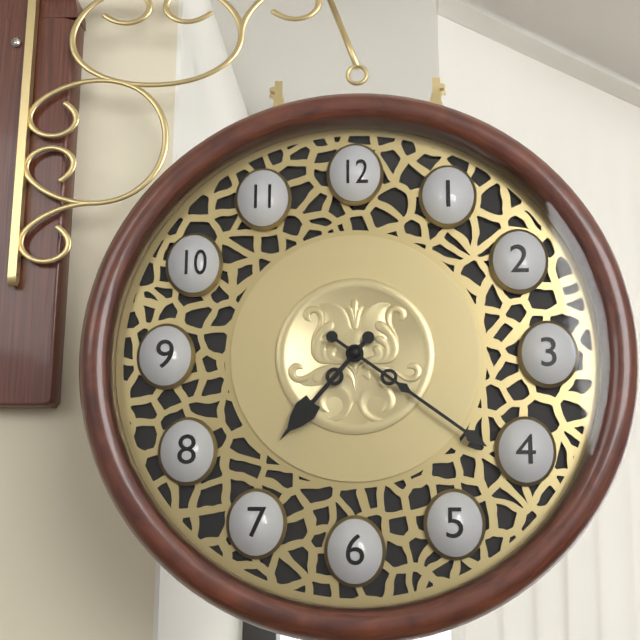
**7:21**
